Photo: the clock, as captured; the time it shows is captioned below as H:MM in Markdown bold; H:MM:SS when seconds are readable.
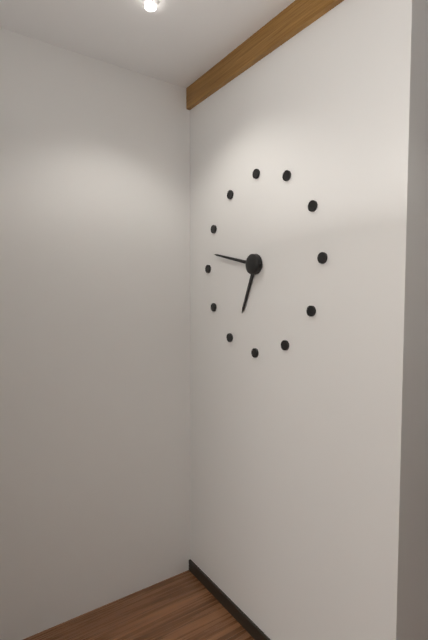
**6:47**
